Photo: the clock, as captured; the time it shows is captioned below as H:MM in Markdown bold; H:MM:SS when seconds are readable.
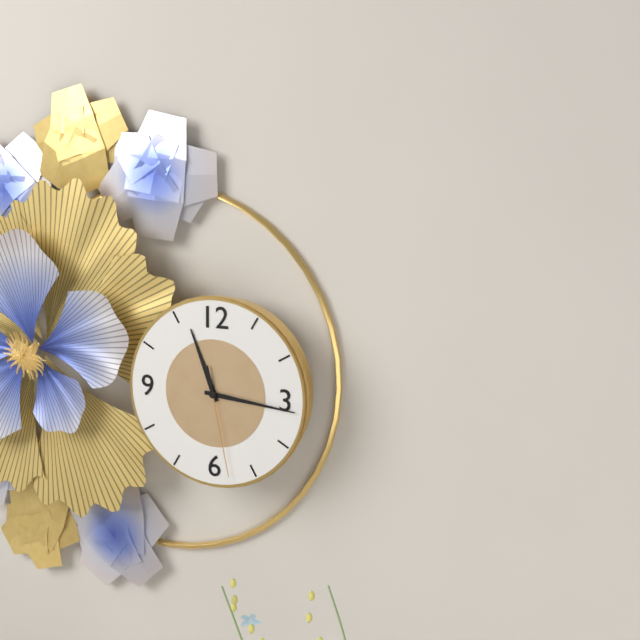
**11:16:28**
